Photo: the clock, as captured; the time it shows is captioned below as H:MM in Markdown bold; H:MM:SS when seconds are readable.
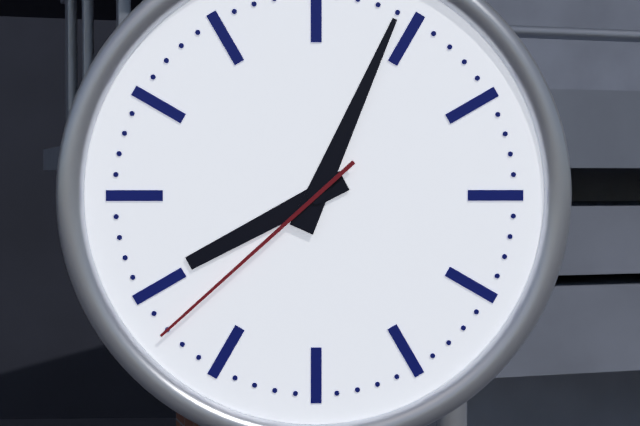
**8:04:38**
